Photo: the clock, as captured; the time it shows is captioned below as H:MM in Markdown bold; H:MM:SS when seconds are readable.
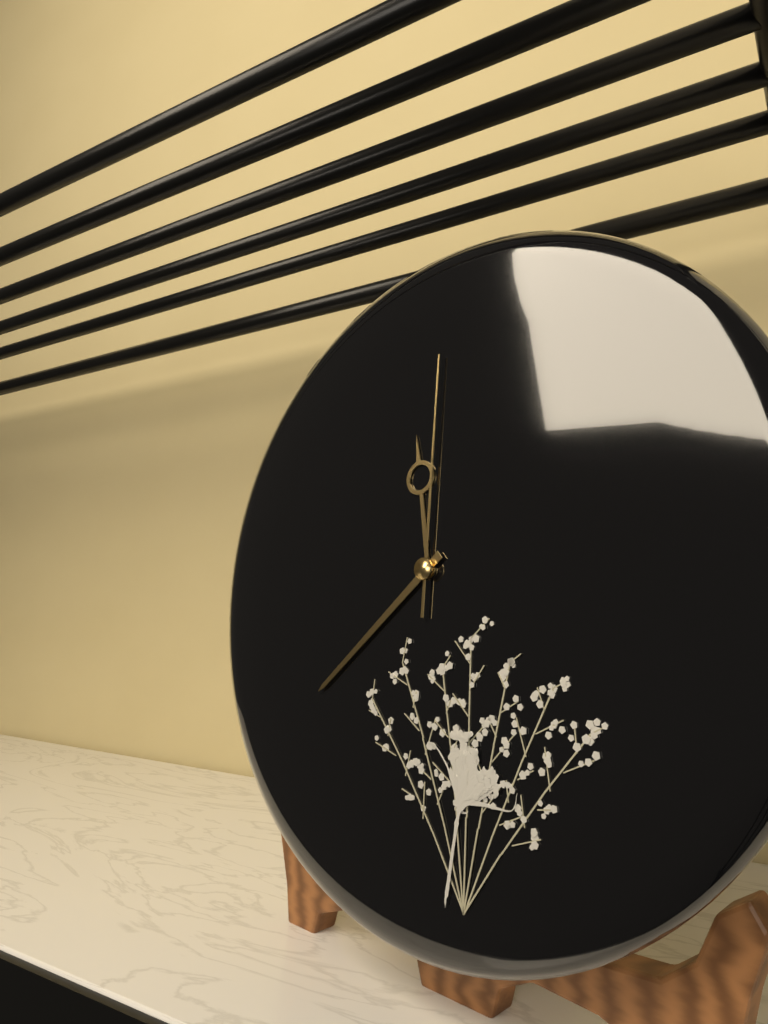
**11:38:00**
